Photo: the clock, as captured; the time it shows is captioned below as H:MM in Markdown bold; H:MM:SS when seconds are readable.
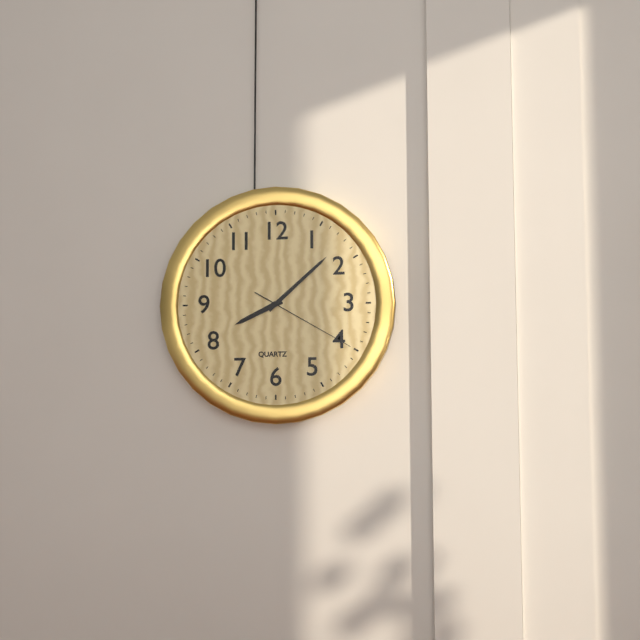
**8:08:20**
